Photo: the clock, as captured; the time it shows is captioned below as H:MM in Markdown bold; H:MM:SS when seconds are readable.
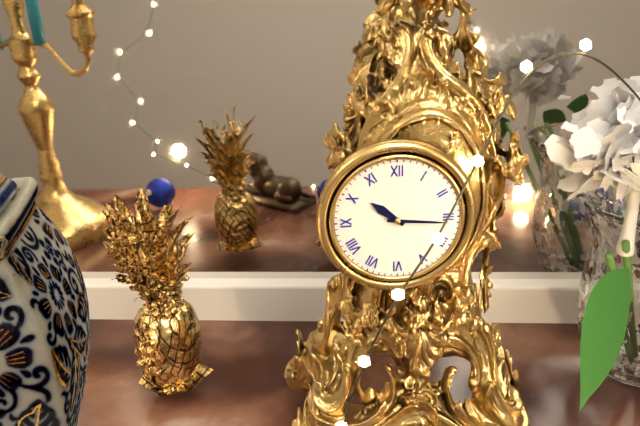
**10:16**
